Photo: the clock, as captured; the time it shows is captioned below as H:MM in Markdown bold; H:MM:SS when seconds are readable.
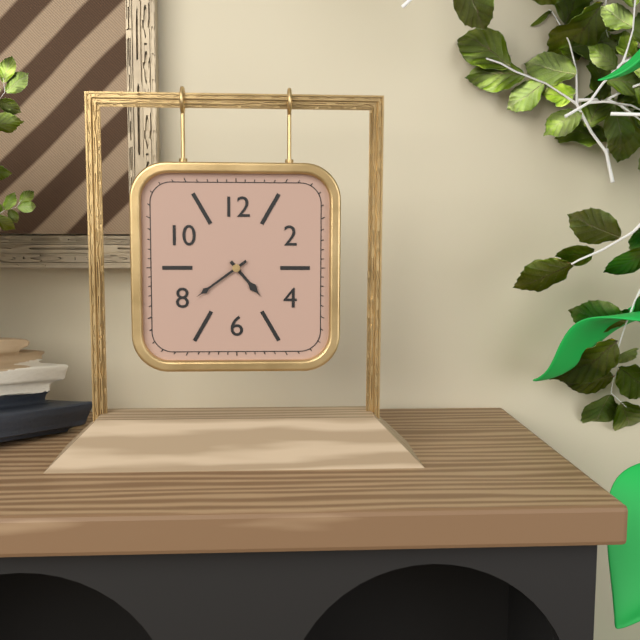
**4:39**
